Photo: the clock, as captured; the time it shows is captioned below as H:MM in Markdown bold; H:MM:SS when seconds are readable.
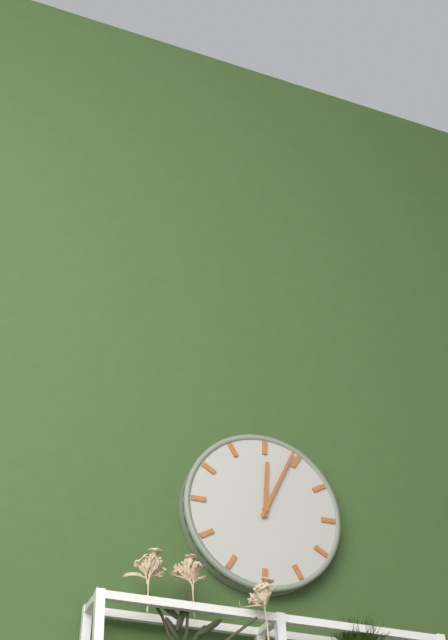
**12:04**
